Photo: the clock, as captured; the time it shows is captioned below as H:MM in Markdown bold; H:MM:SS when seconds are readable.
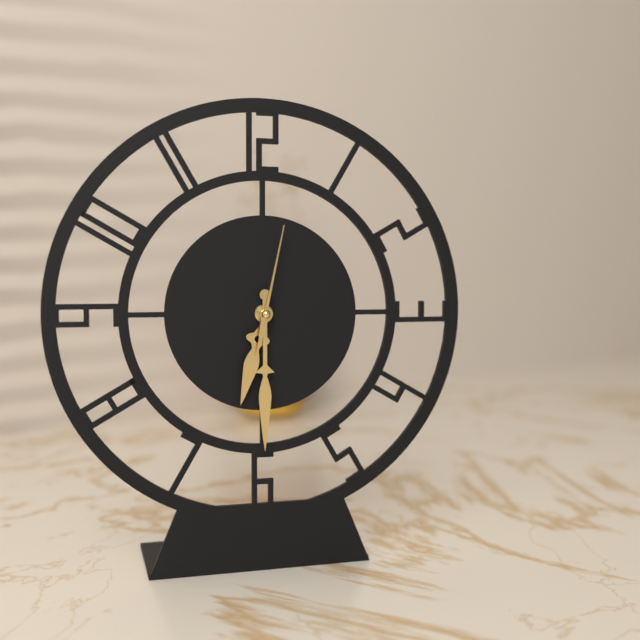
**6:30:02**
